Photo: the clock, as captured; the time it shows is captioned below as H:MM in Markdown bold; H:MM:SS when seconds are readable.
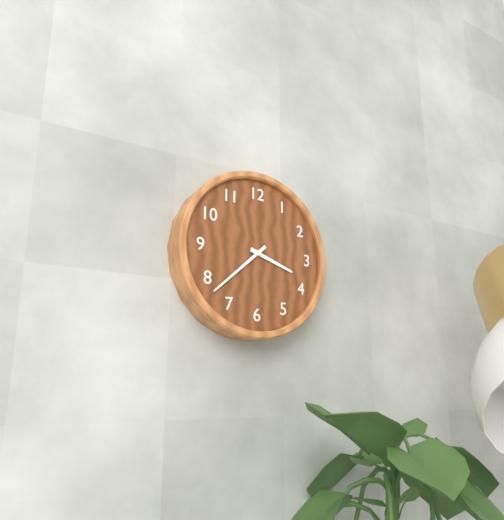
**3:38**
